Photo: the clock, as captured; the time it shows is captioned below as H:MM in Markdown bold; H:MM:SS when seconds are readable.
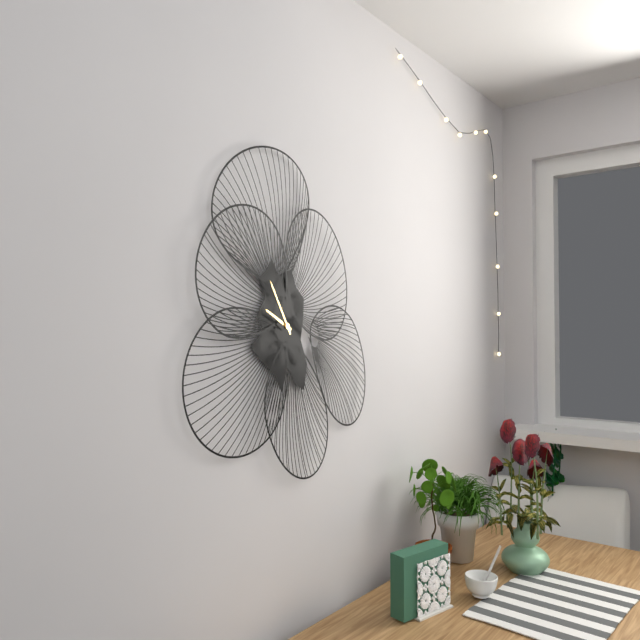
**9:55**
